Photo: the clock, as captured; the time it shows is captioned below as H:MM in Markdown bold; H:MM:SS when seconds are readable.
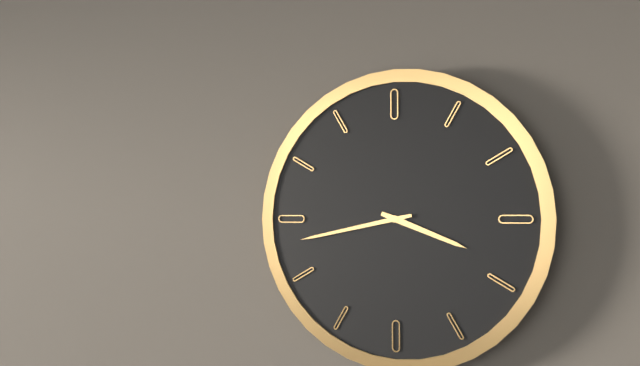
**3:43**
